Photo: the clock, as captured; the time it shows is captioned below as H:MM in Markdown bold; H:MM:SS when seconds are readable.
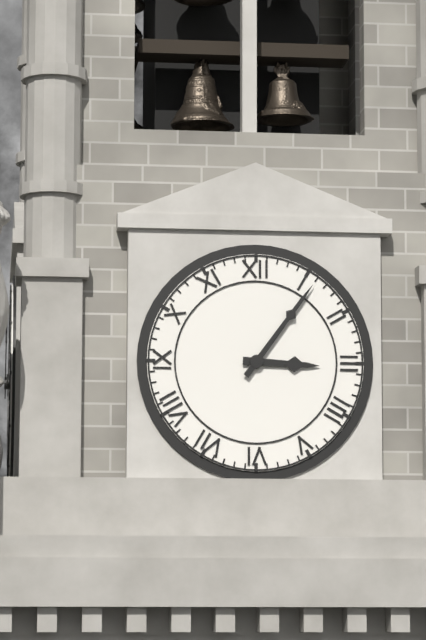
**3:06**
